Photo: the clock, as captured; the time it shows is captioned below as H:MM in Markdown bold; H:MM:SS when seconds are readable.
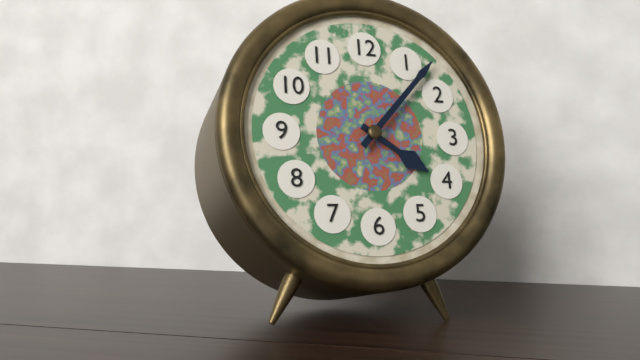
**4:07**
